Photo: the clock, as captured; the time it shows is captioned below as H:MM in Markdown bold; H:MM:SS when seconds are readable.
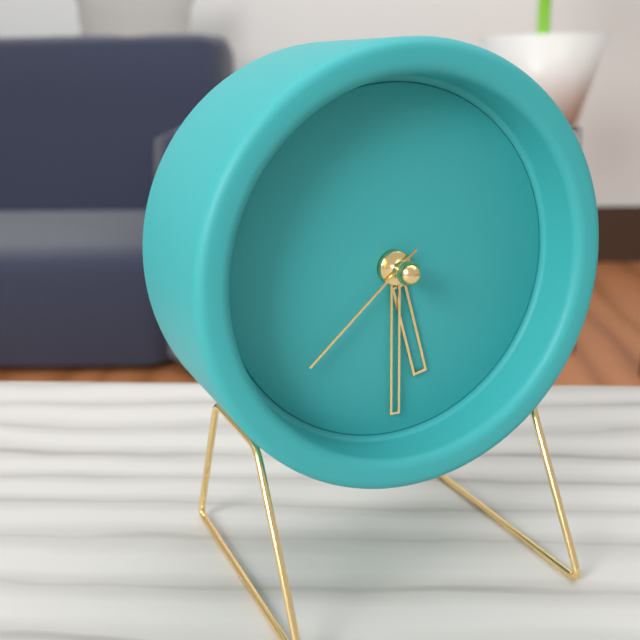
**5:30:38**
